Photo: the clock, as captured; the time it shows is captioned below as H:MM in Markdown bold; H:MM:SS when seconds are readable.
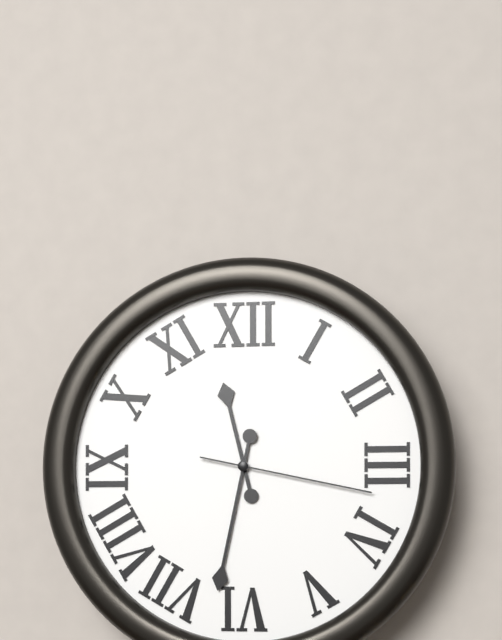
**11:32:17**
